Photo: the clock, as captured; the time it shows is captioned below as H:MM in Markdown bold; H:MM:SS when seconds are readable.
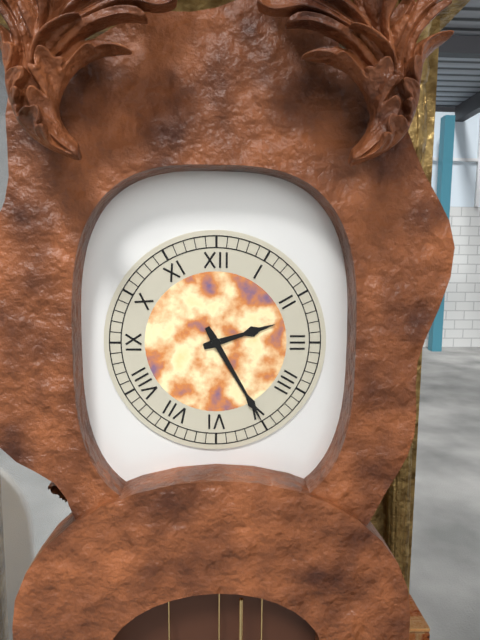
**2:25**
